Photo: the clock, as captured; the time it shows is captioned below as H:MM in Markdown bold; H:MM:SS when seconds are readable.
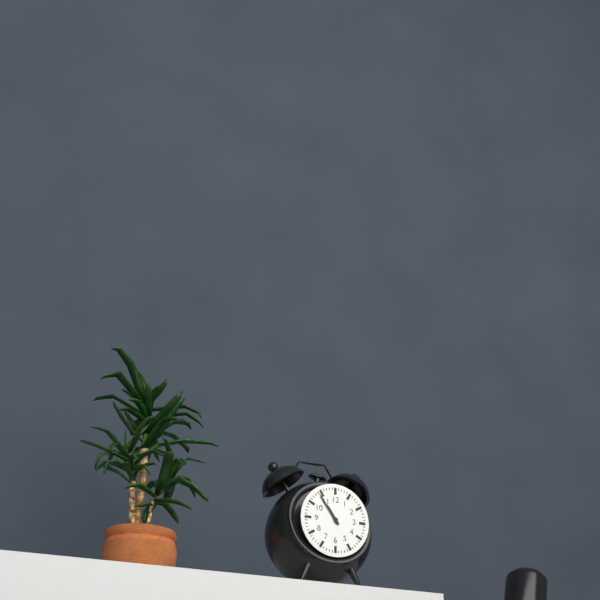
**10:54**
